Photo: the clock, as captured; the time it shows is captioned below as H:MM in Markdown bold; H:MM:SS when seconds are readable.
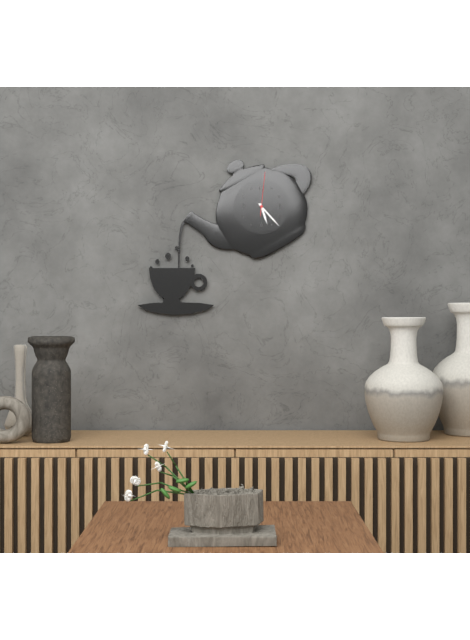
**5:23**
